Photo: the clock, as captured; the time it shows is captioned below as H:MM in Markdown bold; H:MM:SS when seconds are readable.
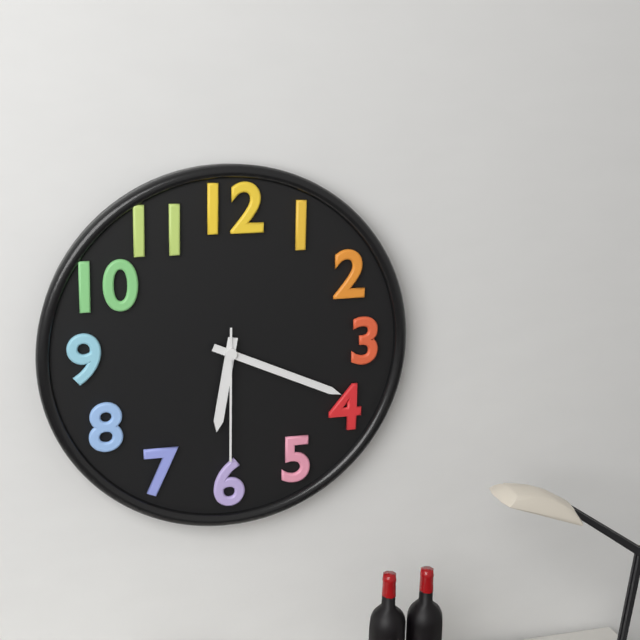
**6:19:30**
